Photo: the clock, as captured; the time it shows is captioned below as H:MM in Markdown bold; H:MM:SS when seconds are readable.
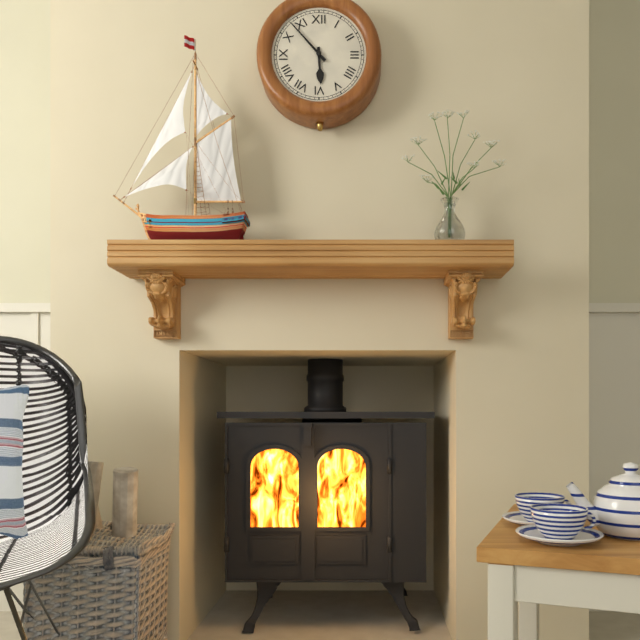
**5:53**
